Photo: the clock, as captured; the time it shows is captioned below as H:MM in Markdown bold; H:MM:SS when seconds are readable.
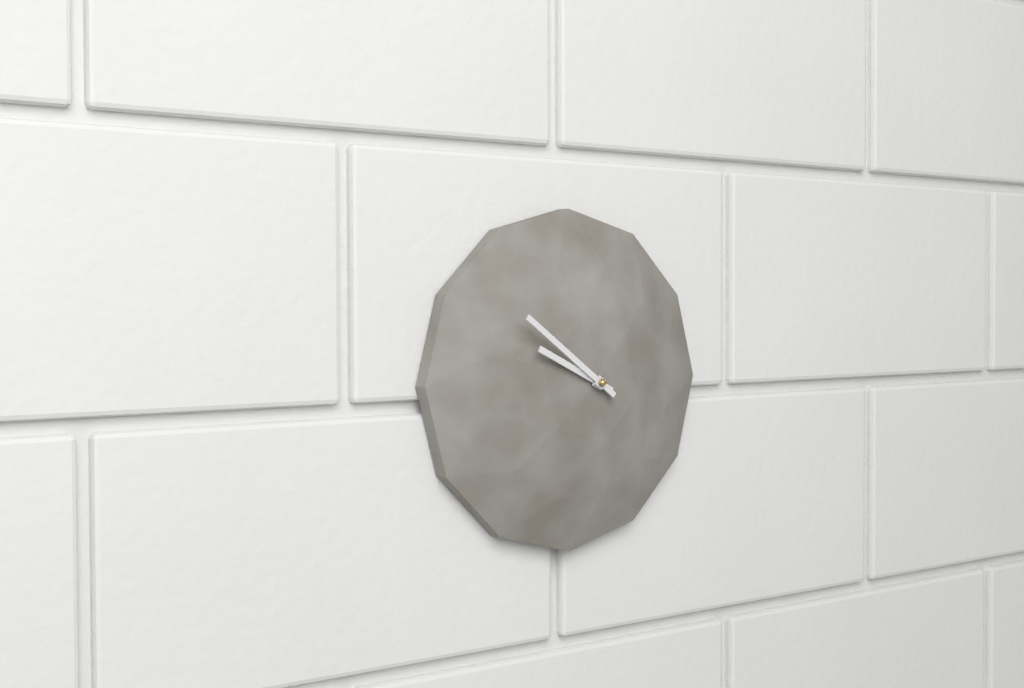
**9:51**
